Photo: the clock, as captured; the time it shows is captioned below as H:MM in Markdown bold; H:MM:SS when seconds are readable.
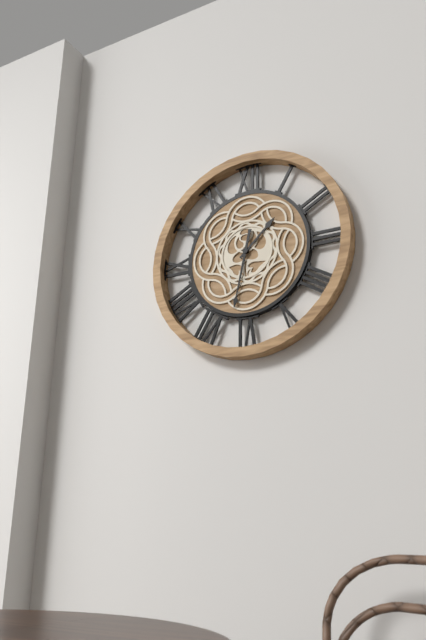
**1:32**
